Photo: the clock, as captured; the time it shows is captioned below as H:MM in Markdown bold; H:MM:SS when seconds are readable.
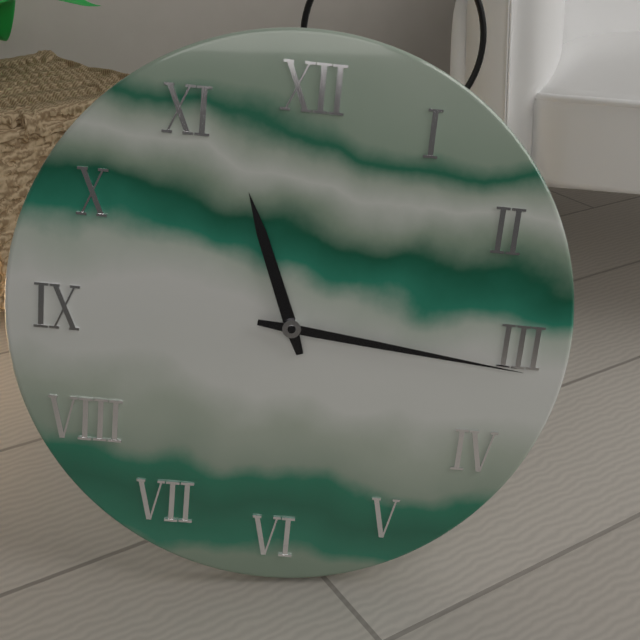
**11:16**
